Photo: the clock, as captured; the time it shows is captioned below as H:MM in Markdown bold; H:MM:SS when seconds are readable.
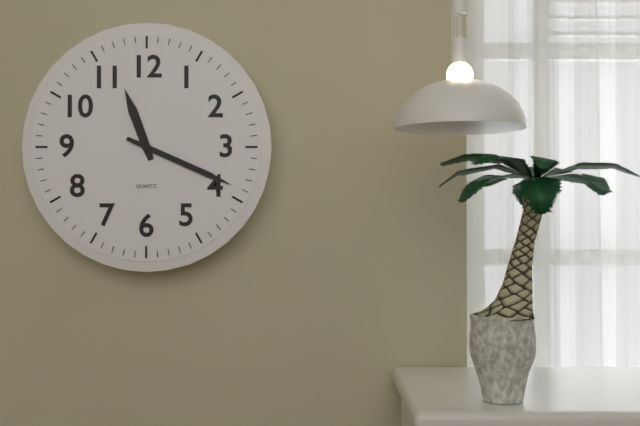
**11:19**
